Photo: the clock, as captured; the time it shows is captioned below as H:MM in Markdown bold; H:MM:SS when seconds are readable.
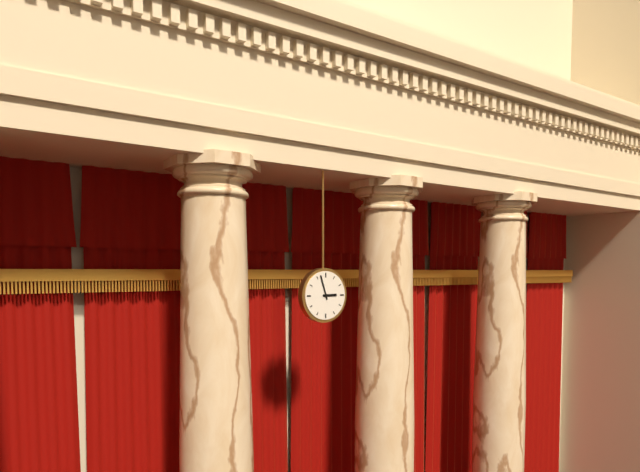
**2:57**
